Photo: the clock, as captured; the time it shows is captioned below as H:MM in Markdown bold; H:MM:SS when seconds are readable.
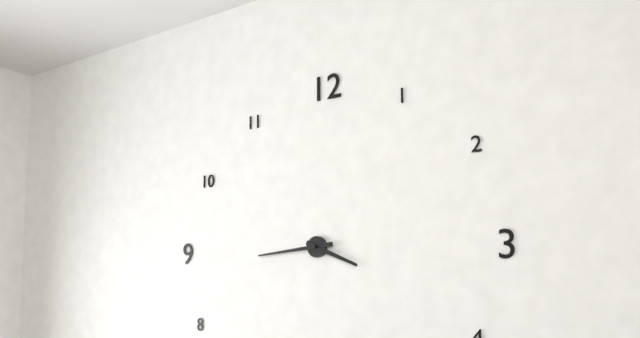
**3:44**
